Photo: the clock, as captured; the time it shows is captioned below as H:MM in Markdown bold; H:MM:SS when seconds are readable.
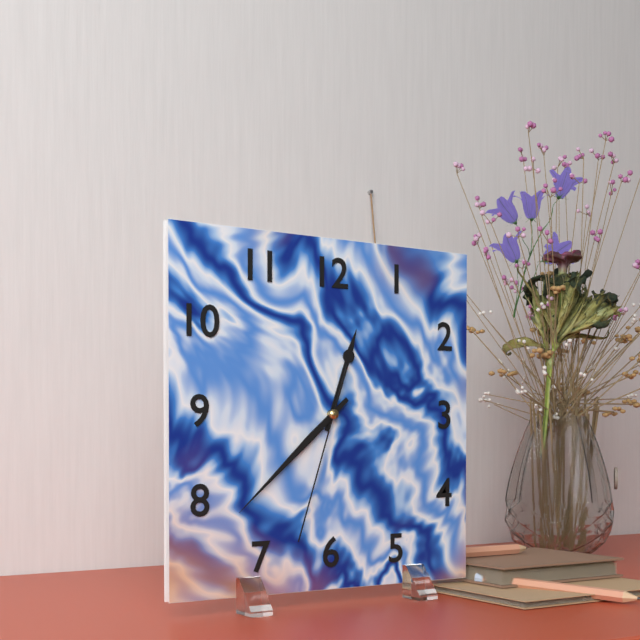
**12:38:33**
